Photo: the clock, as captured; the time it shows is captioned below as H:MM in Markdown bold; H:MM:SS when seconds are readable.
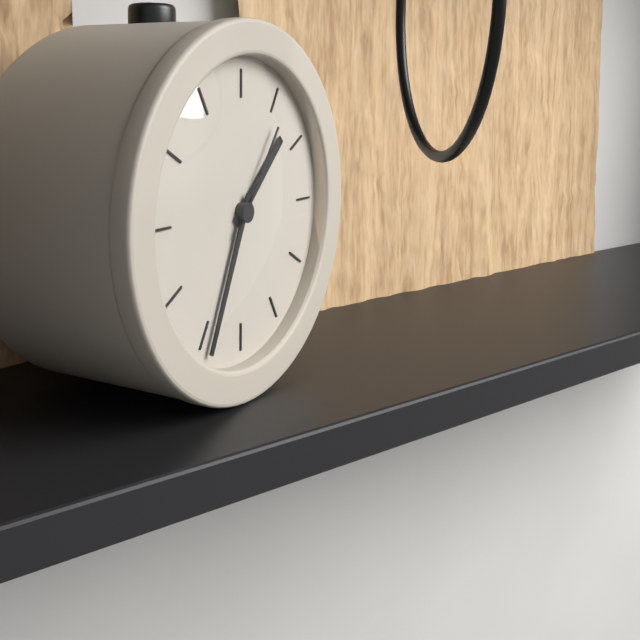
**1:34:06**
